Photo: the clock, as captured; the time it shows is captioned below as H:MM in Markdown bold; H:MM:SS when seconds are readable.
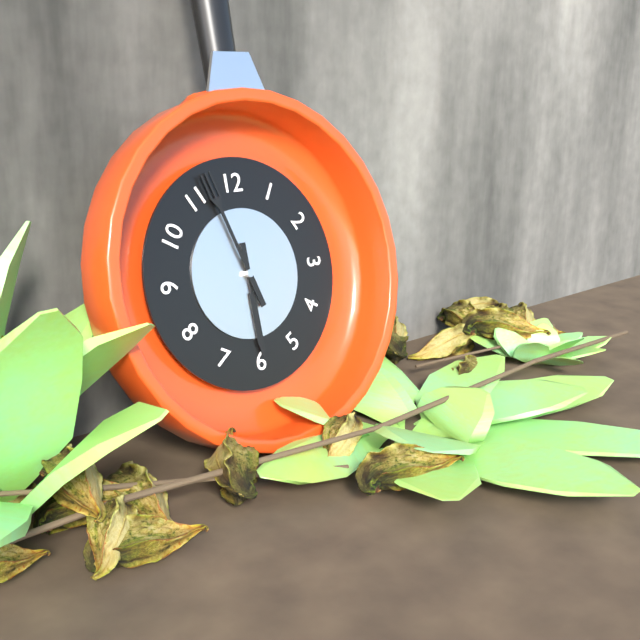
**5:57**
